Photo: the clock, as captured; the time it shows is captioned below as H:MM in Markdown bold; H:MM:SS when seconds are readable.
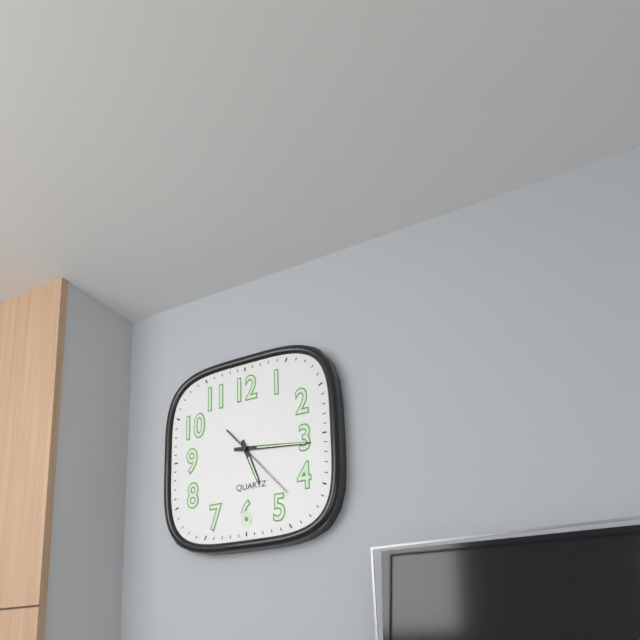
**5:16:23**
